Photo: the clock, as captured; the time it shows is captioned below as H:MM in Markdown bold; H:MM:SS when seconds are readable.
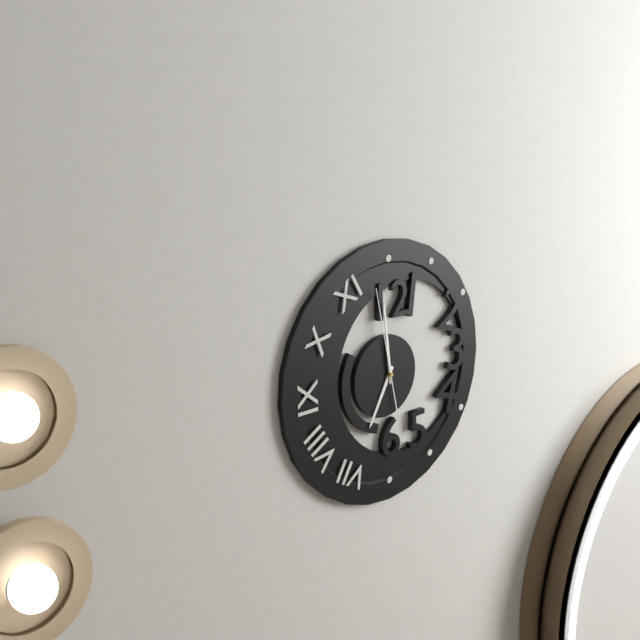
**6:59:58**
